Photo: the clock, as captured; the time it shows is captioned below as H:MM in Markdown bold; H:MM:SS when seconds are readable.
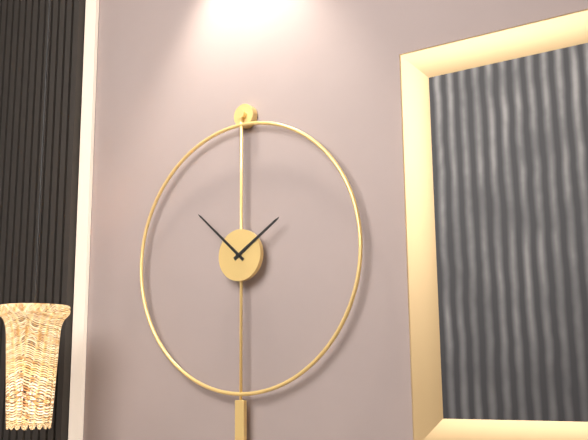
**1:52**
